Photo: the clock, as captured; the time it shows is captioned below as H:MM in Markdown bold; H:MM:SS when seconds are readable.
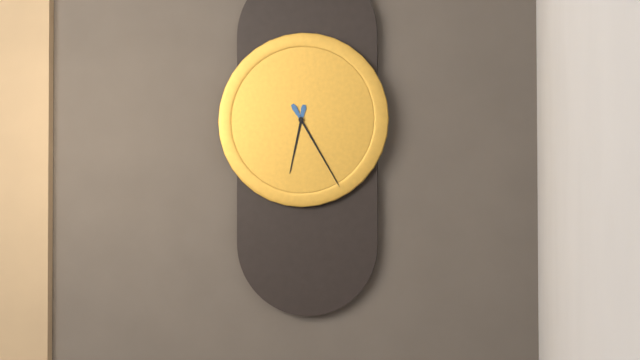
**6:25**
